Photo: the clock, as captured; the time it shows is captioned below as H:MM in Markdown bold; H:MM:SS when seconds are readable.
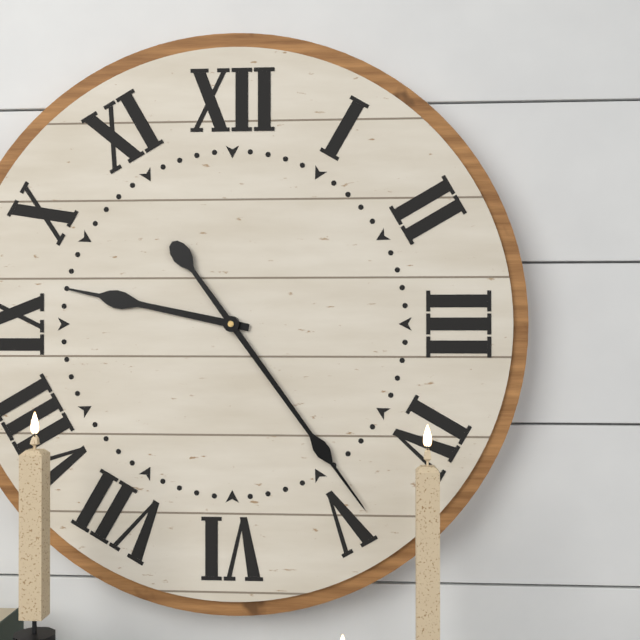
**9:24**
